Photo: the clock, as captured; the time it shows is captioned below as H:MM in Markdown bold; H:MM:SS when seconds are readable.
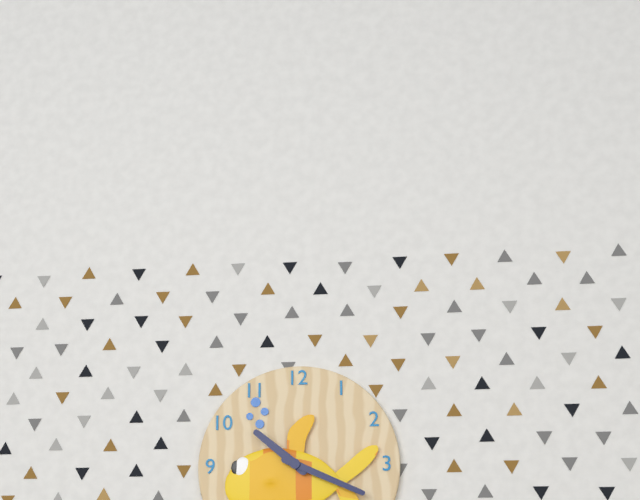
**10:19**
